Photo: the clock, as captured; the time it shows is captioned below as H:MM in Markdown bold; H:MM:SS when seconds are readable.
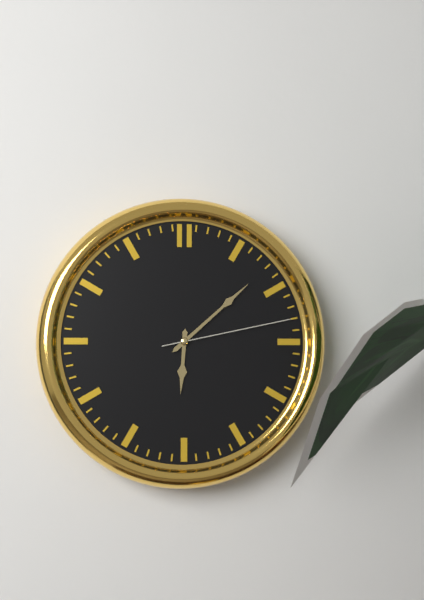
**6:08:13**
